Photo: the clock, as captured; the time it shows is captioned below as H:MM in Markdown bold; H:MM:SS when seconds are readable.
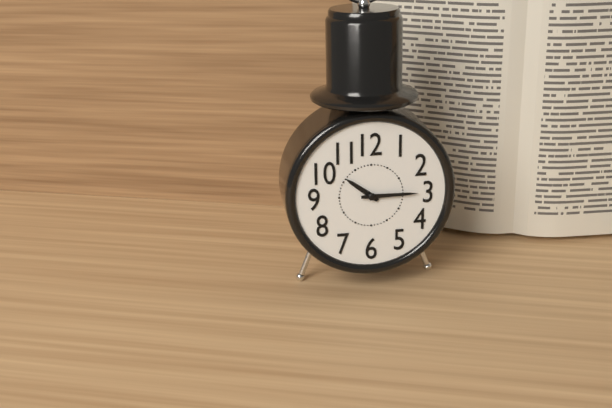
**10:15**
